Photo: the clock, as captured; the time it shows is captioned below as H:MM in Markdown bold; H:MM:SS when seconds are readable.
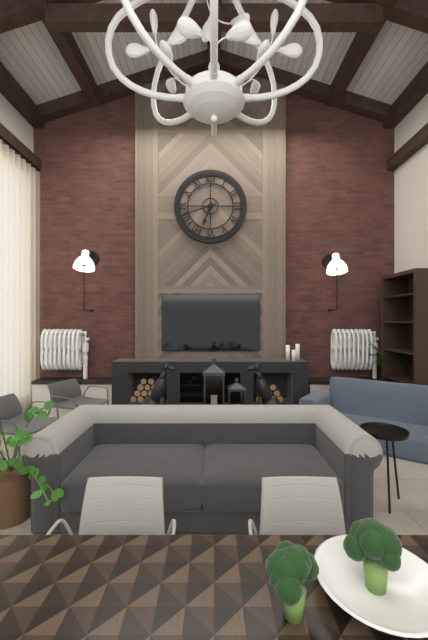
**6:42**
